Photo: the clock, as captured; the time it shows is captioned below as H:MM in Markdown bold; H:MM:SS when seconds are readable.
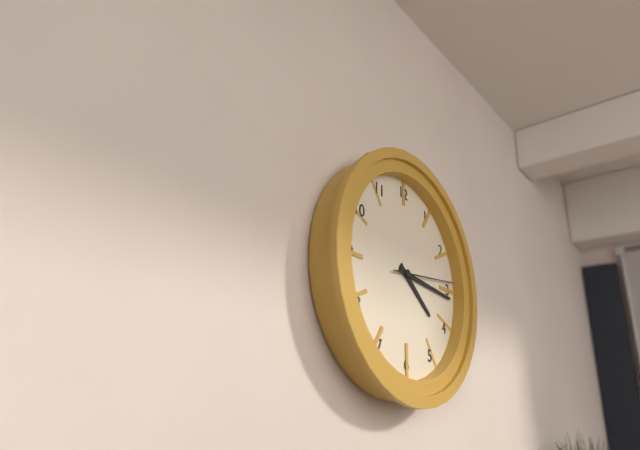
**4:16:14**
